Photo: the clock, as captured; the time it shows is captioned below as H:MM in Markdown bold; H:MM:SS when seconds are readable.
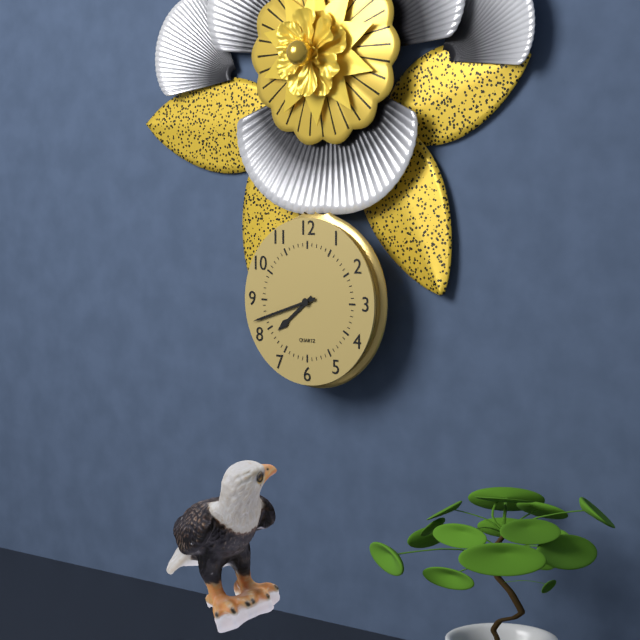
**7:42**
